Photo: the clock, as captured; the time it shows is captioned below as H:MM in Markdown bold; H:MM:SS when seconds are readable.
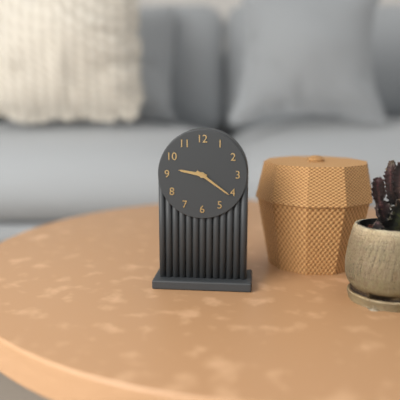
**9:21**
